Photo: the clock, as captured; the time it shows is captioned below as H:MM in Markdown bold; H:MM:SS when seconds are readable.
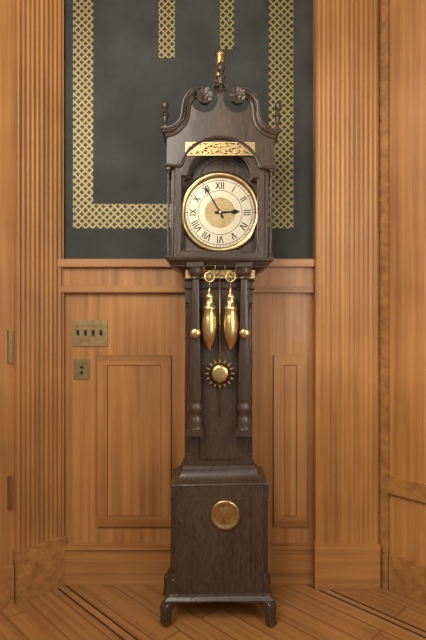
**2:55**
